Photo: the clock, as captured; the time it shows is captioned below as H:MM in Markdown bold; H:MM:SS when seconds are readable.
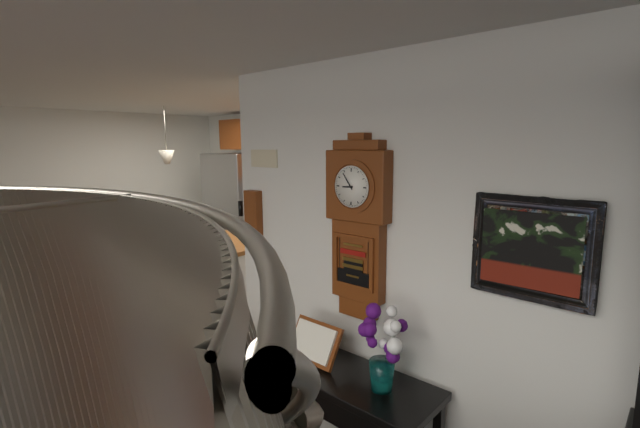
**8:54**
